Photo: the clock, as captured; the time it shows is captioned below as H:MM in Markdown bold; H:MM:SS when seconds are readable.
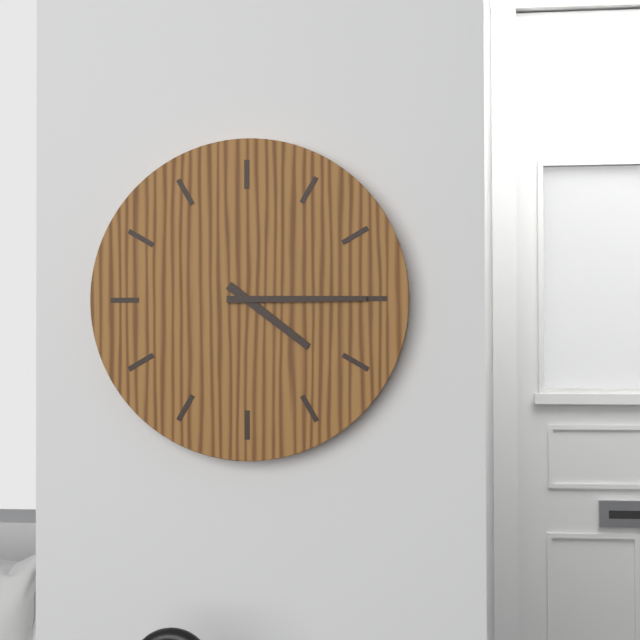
**4:15**
